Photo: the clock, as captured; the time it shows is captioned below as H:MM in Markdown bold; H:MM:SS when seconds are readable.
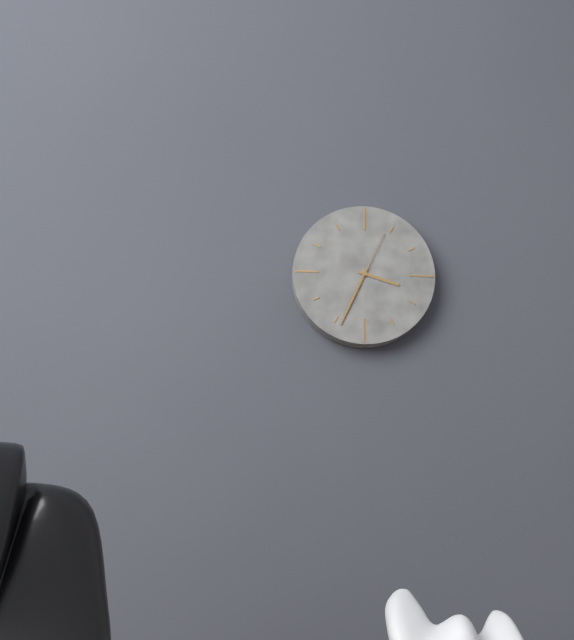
**3:34:04**
